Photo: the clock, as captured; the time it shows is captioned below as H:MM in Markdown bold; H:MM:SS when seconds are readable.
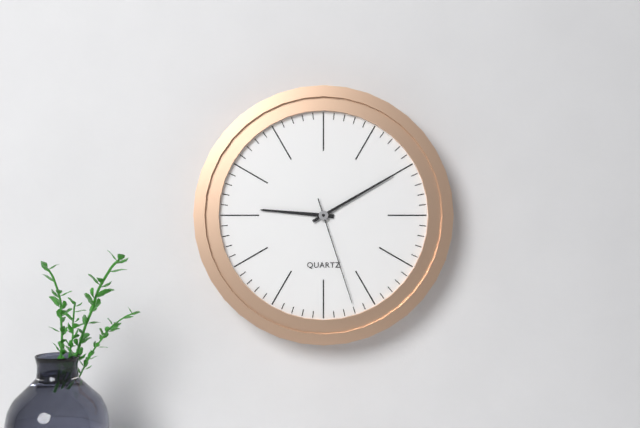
**9:10:27**
